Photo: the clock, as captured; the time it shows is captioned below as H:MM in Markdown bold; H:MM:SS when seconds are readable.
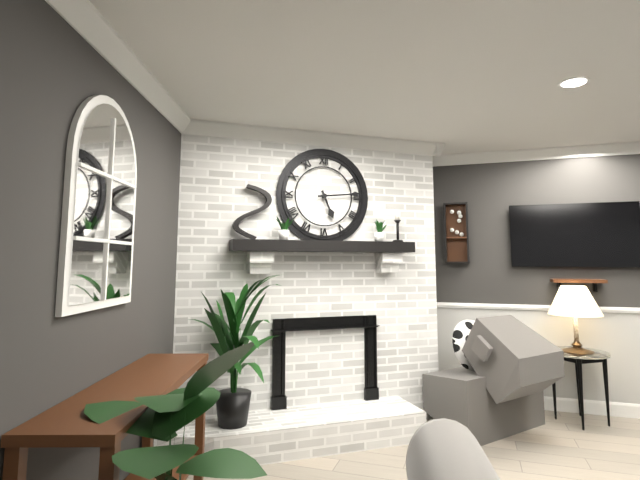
**5:14**
